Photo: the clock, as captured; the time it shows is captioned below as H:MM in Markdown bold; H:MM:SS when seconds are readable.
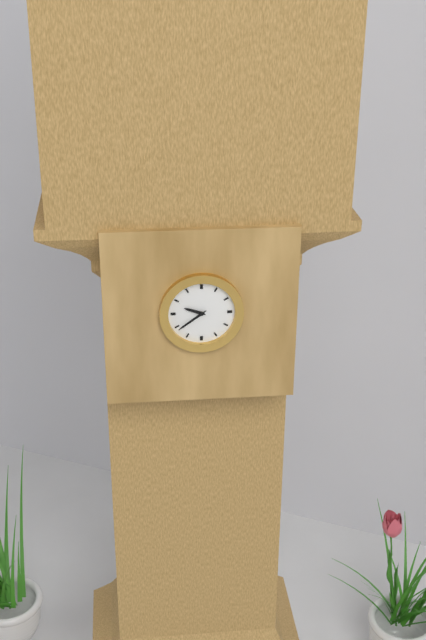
**9:39**
